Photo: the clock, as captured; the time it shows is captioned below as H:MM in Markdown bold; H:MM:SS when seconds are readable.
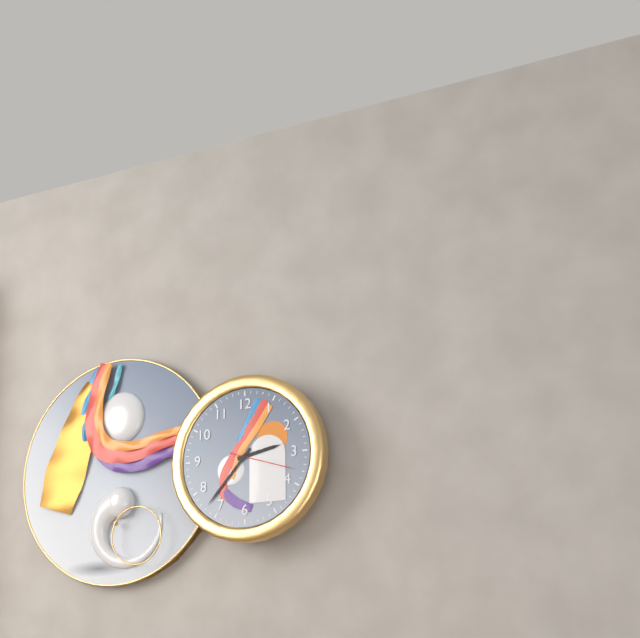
**2:37:18**
